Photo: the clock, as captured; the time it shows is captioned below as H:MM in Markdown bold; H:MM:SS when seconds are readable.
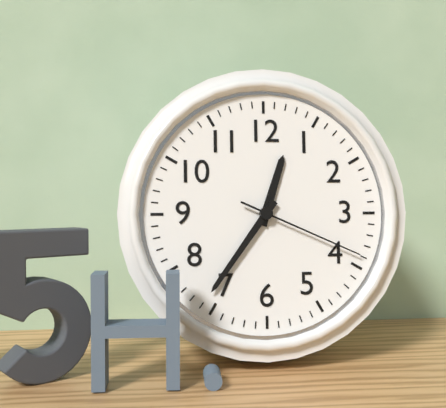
**12:36:19**
